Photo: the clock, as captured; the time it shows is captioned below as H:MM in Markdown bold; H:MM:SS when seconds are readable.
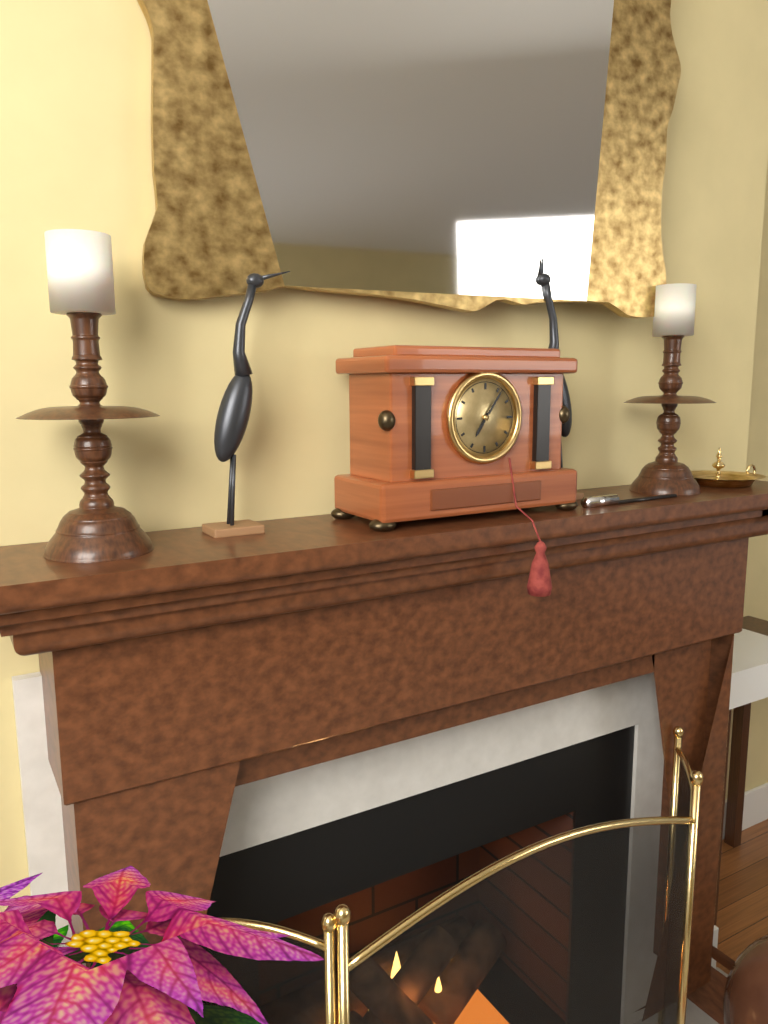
**7:06**
